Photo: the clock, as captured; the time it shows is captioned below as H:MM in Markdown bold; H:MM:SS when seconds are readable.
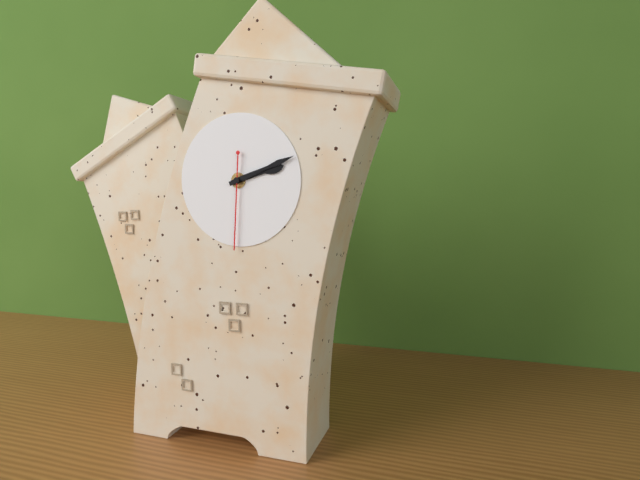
**2:10:29**
